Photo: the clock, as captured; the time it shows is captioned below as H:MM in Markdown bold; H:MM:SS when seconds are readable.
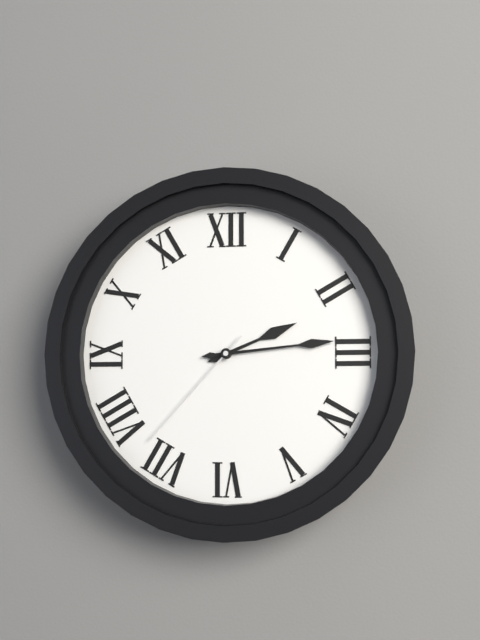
**2:14:37**
